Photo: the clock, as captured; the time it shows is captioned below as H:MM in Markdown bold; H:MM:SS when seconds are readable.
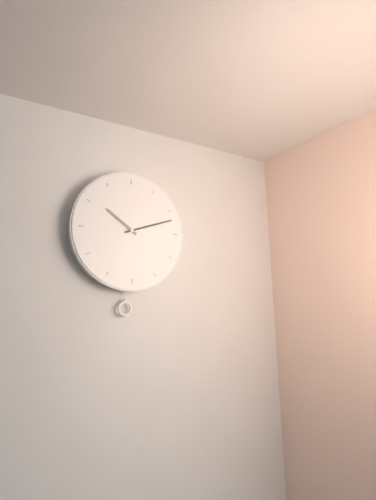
**10:12**
